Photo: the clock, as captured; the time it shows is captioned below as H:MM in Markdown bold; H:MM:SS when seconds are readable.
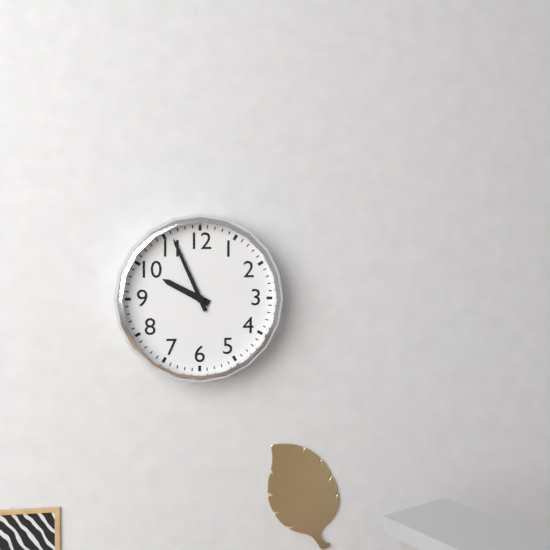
**9:56**
